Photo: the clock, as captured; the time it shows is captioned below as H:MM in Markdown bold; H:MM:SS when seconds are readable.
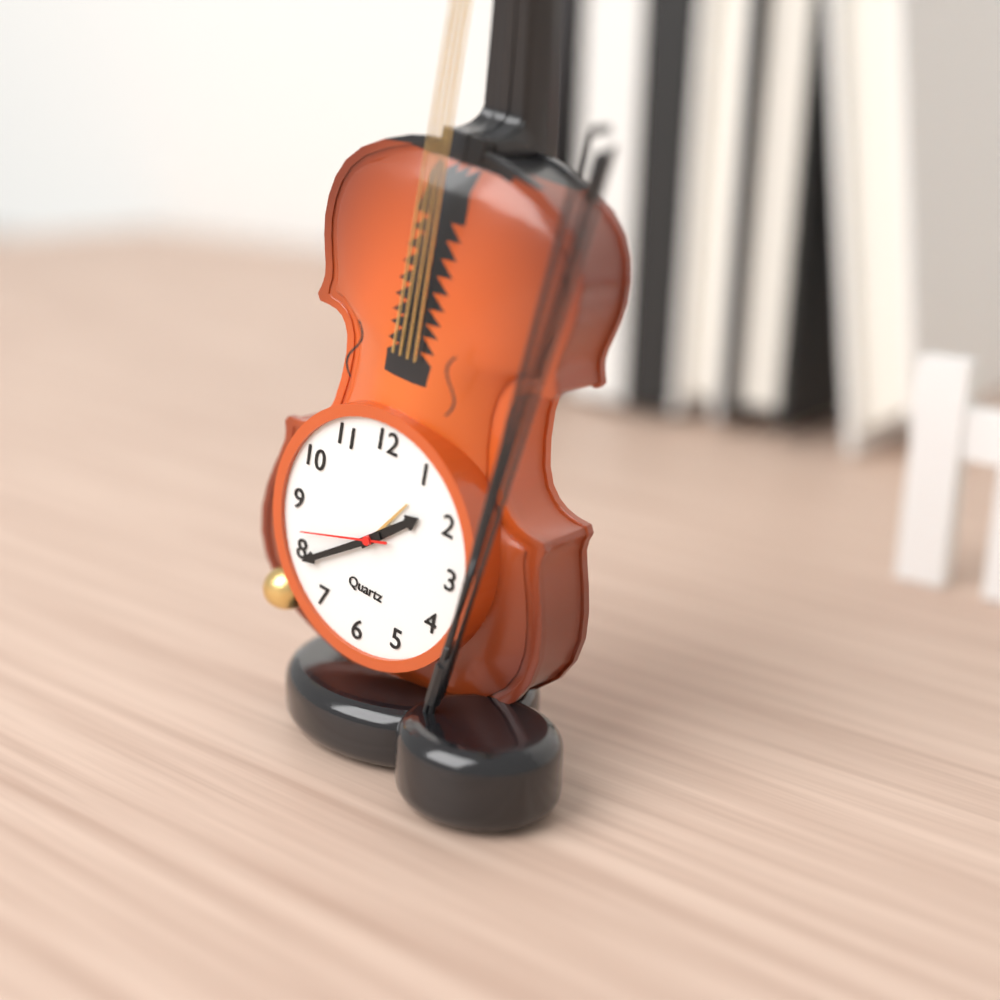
**1:39:42**
